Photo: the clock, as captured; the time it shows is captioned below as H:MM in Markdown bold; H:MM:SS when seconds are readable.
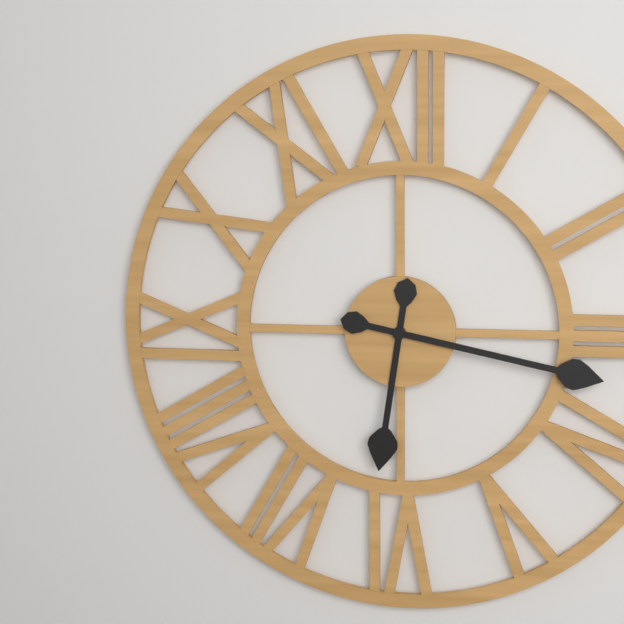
**6:17**
